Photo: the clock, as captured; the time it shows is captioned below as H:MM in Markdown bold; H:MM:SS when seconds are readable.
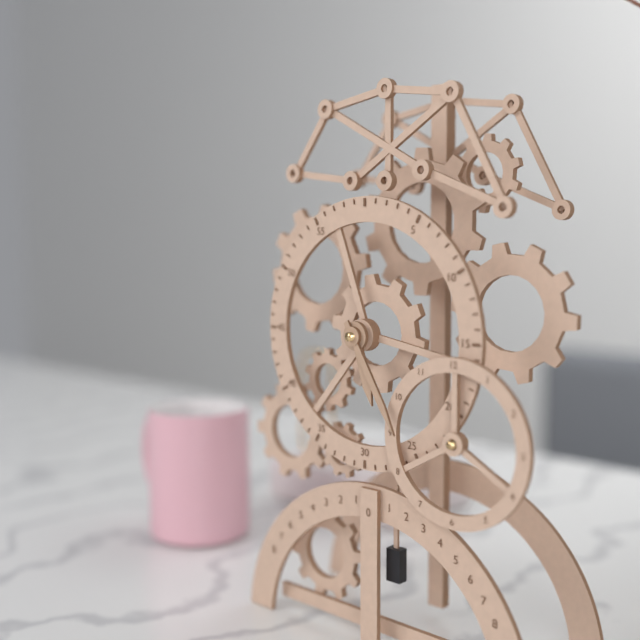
**5:25**
